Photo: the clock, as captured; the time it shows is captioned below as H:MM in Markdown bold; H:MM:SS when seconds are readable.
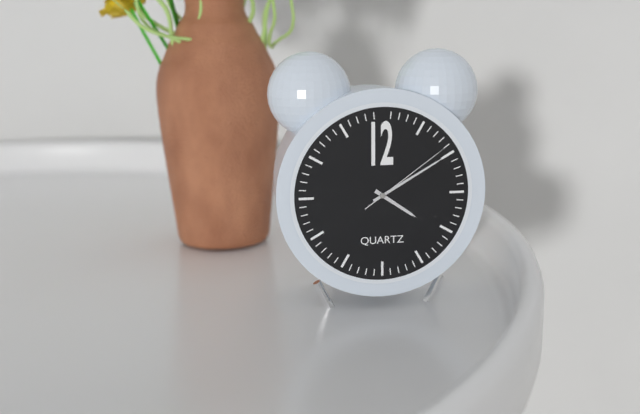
**4:10:09**
